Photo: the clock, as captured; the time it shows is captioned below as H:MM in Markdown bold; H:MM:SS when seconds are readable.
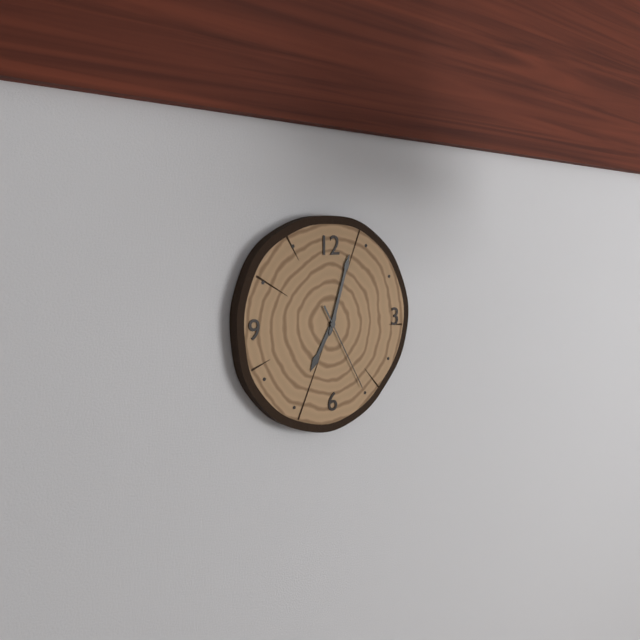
**7:03:25**
